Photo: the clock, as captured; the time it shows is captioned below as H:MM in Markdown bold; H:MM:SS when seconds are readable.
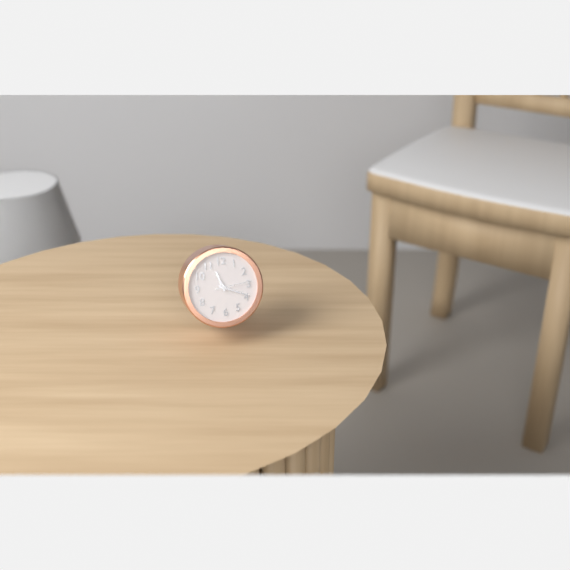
**11:19**
